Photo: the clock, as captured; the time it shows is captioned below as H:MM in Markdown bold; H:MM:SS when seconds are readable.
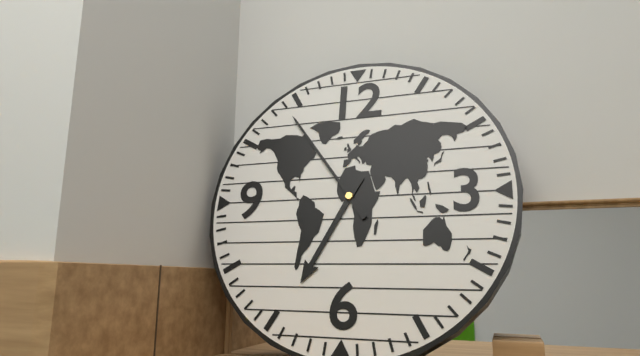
**6:54**
